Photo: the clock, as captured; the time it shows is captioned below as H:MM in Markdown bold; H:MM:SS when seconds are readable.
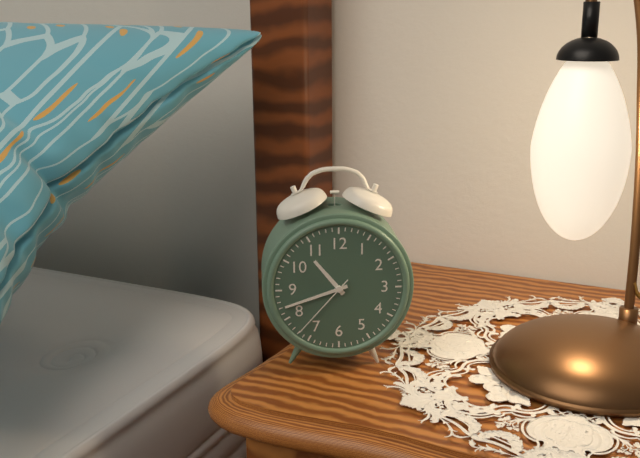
**10:42:37**
